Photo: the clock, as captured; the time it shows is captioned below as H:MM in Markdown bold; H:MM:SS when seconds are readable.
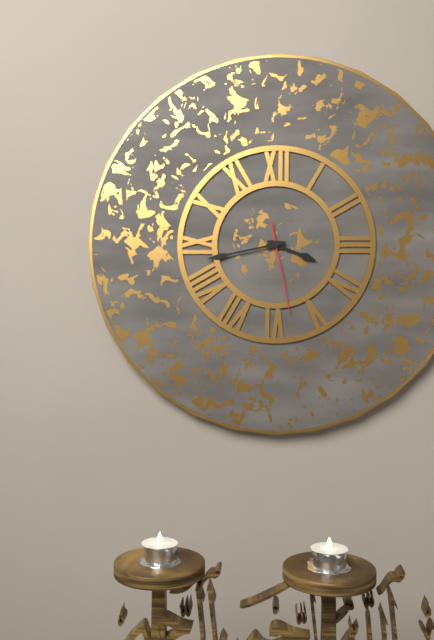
**3:43:28**
